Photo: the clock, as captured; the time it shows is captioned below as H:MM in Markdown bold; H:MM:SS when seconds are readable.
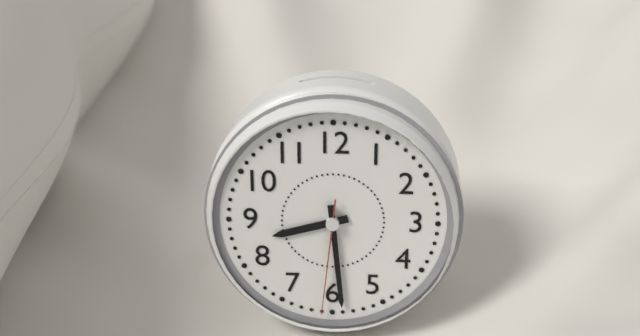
**8:29:31**
